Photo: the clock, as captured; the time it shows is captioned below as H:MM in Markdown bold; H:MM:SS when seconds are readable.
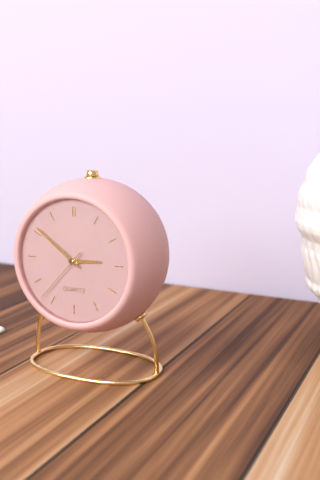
**2:51:37**
